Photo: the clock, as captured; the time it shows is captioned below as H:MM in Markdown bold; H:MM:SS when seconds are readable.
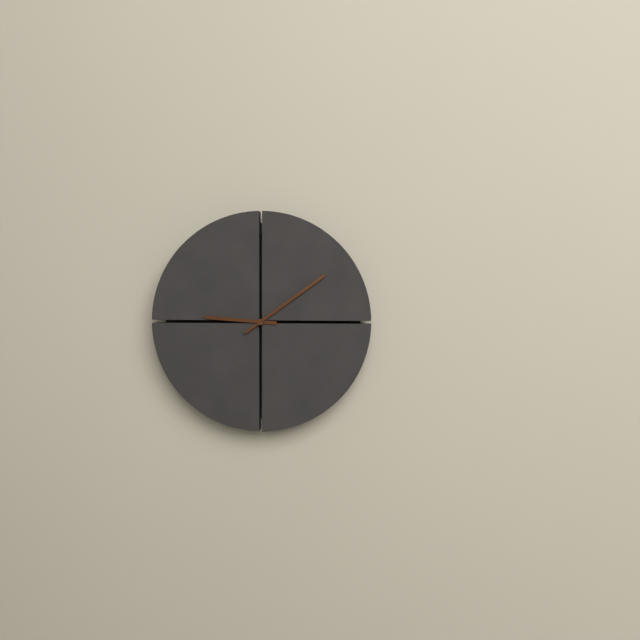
**9:09**
